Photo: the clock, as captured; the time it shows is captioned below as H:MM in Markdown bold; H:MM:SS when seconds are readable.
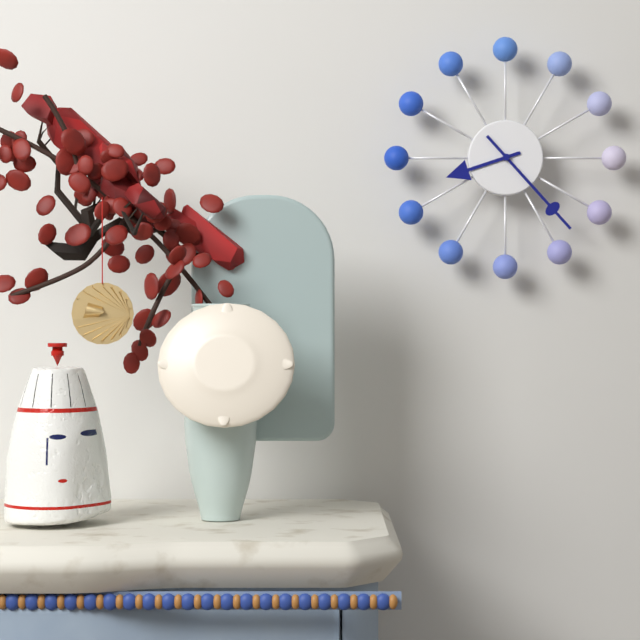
**8:23**
